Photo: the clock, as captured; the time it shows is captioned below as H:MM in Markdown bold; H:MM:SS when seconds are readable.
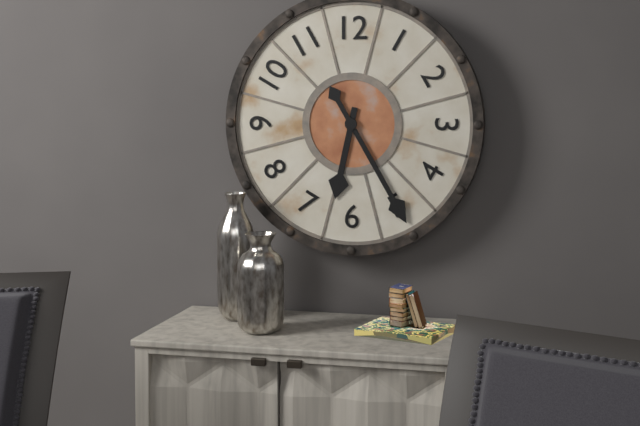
**6:25**
